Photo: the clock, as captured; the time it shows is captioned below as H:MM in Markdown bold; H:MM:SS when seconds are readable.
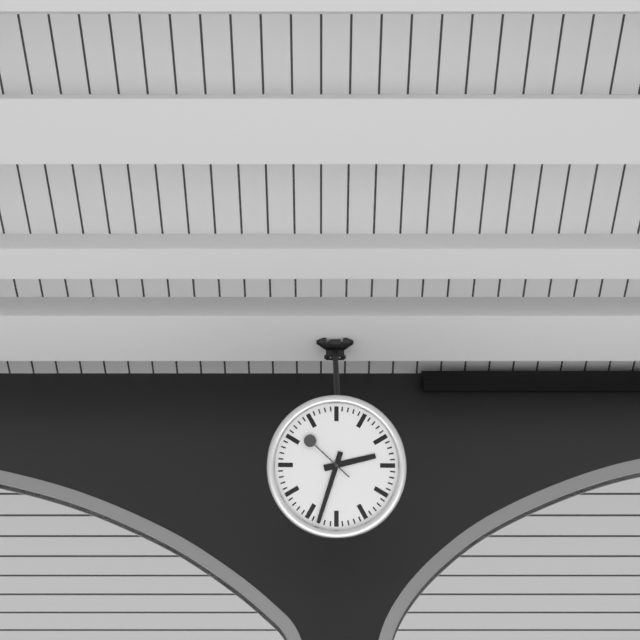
**2:33:52**
